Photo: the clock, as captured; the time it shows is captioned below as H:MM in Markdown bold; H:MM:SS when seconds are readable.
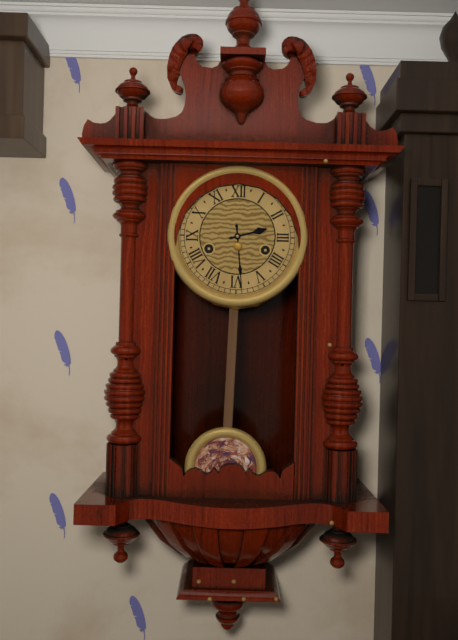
**2:29**
